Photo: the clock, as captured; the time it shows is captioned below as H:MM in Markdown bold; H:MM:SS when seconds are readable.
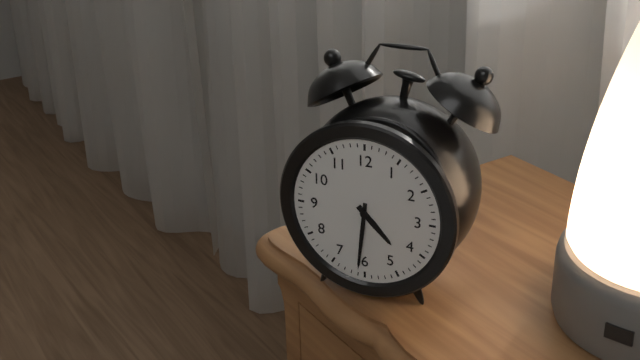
**4:31**
